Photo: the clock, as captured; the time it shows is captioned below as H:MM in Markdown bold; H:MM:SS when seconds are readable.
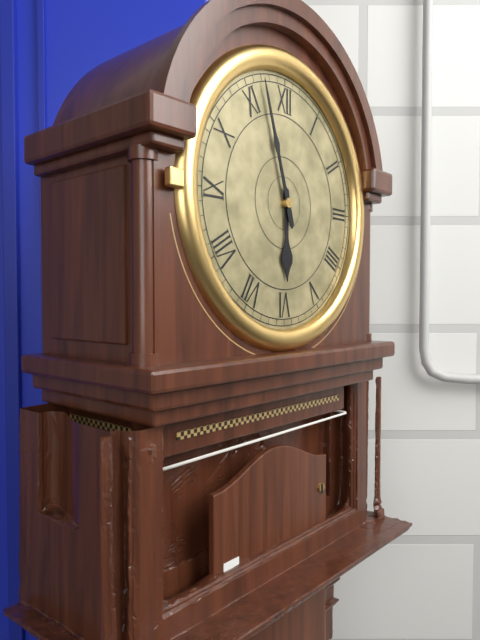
**5:57**
